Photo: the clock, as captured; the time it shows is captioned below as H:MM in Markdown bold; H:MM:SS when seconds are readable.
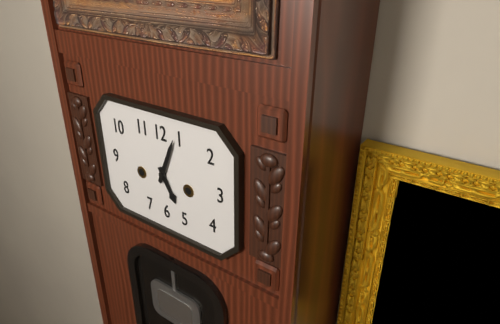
**5:04**
